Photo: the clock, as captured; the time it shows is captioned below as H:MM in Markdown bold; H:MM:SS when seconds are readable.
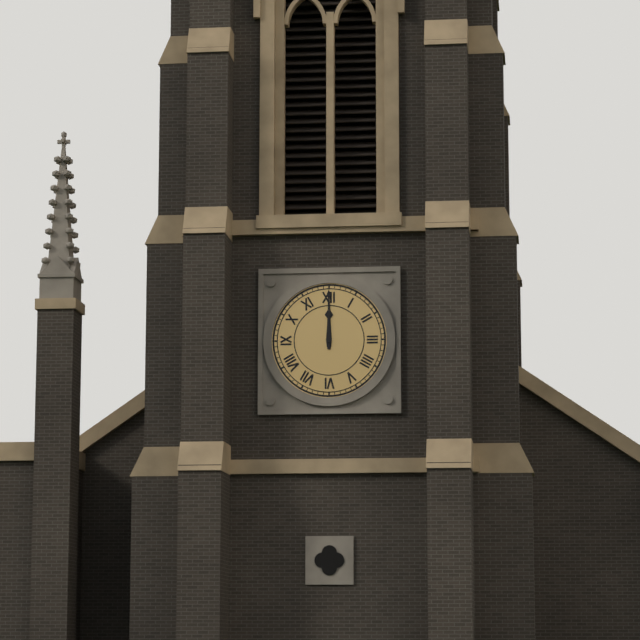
**12:00**
